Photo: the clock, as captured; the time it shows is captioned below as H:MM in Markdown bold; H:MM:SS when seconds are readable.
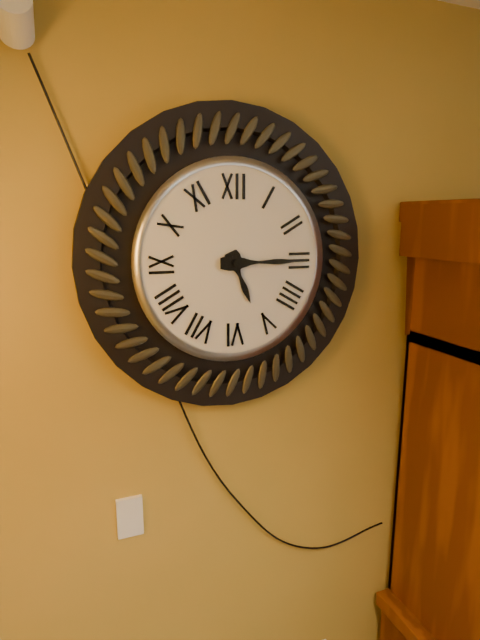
**5:15**
